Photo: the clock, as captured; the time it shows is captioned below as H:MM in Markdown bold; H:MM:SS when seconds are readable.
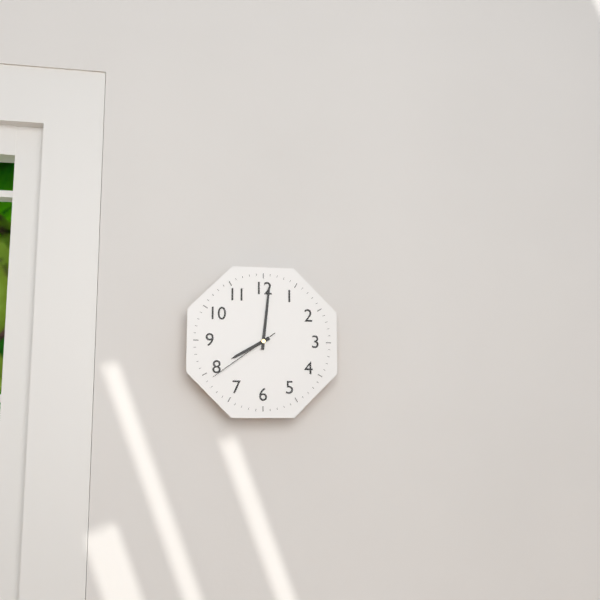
**8:01:39**
